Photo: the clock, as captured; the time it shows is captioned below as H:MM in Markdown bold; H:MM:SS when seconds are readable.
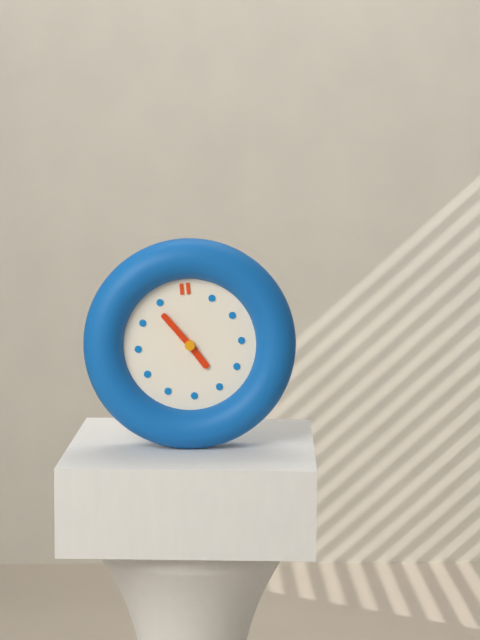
**4:54**
